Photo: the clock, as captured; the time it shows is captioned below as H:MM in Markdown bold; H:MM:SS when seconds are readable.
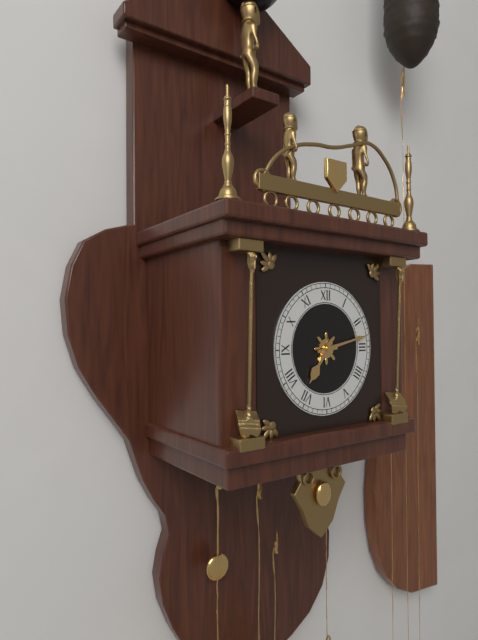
**7:13**
